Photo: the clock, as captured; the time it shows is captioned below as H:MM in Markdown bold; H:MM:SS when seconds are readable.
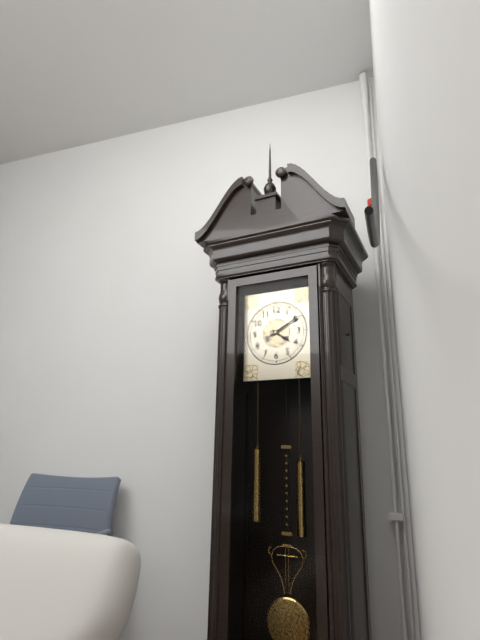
**4:10**
